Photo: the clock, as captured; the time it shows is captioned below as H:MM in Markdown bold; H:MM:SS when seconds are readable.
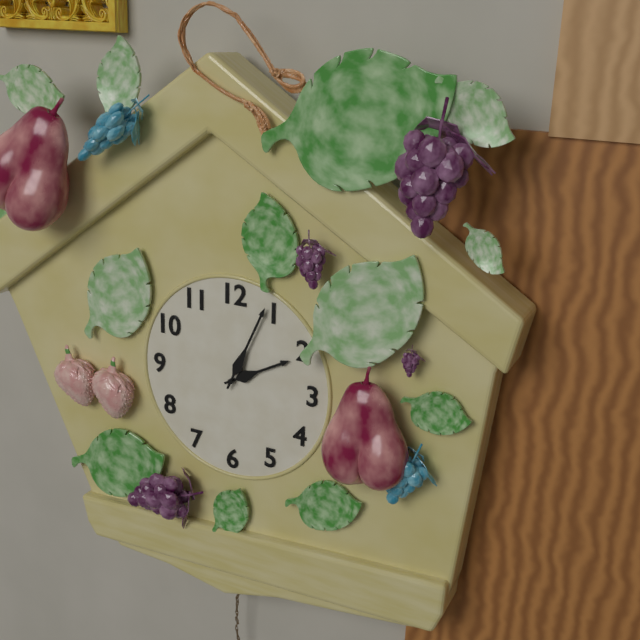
**2:04**
